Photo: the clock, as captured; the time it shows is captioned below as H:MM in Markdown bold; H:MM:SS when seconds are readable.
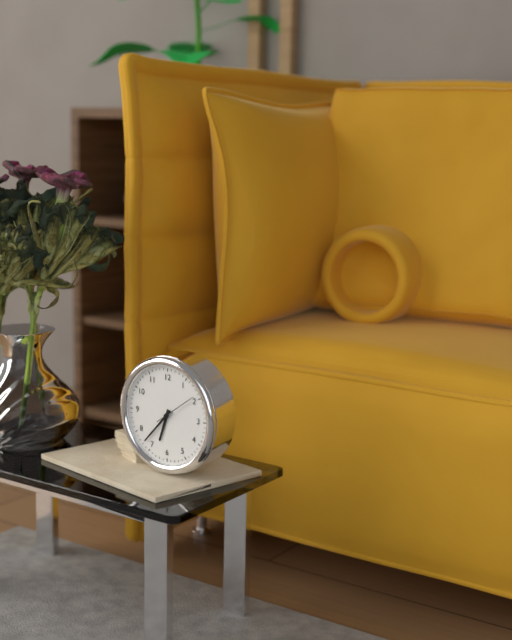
**6:37**
